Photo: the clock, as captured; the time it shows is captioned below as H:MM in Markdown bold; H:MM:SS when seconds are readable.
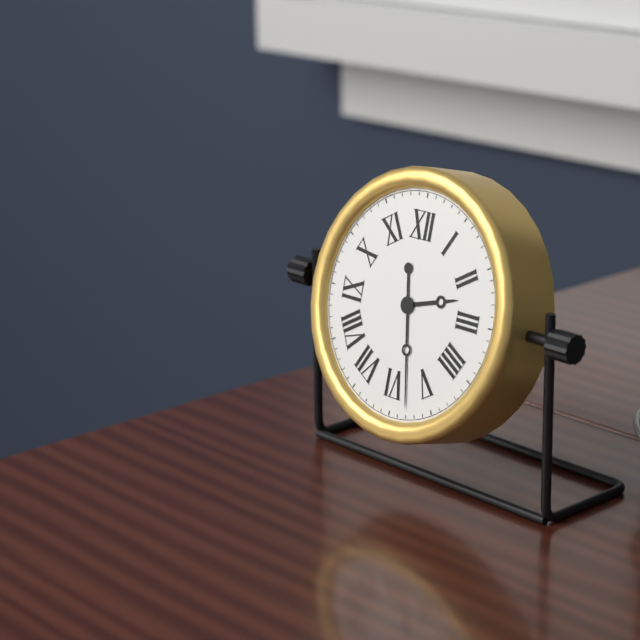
**2:28**
